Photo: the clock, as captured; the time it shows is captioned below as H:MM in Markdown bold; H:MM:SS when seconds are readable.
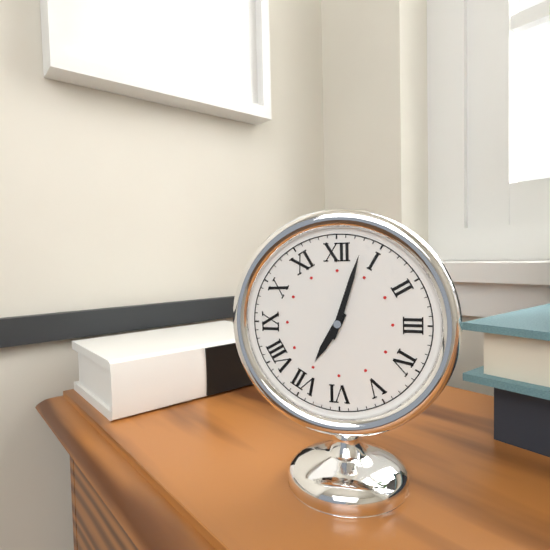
**7:03**
